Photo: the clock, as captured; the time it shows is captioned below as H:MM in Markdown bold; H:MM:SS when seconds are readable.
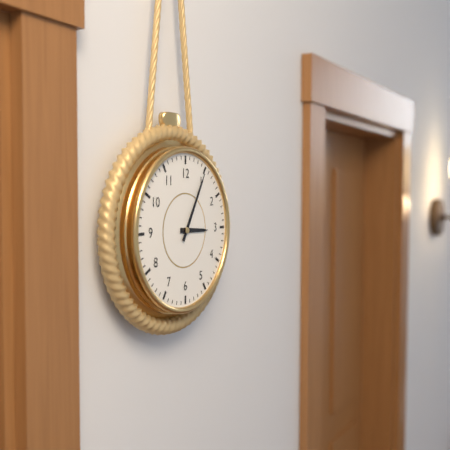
**3:05**
